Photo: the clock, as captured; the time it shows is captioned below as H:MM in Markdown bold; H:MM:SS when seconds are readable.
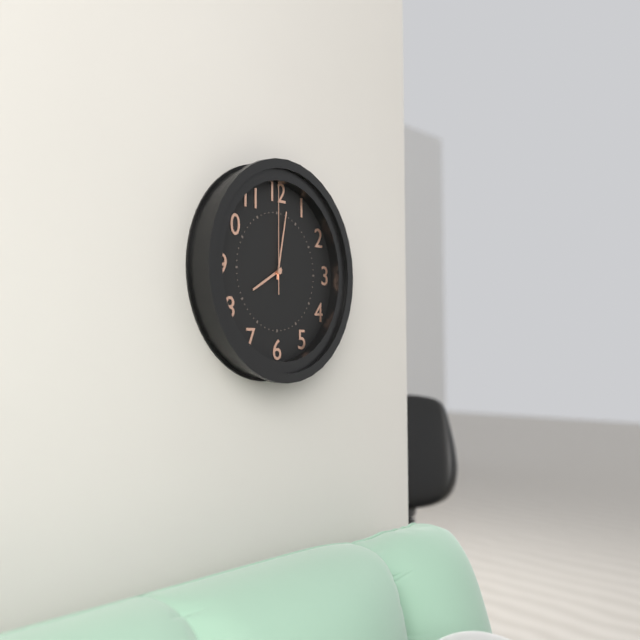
**8:02:00**
